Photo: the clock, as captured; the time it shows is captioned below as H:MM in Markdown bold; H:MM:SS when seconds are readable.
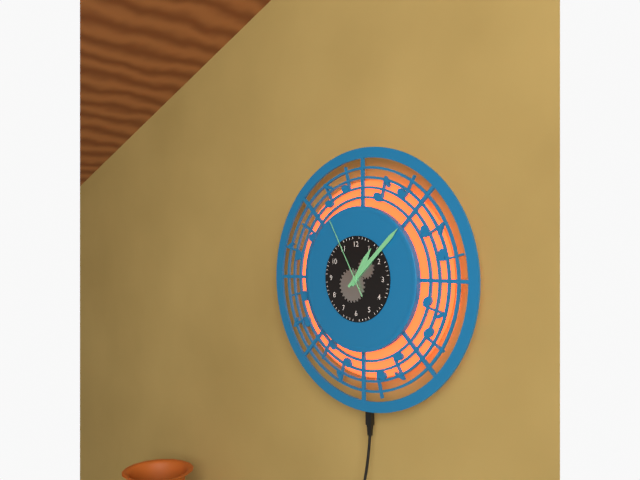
**1:08:55**
